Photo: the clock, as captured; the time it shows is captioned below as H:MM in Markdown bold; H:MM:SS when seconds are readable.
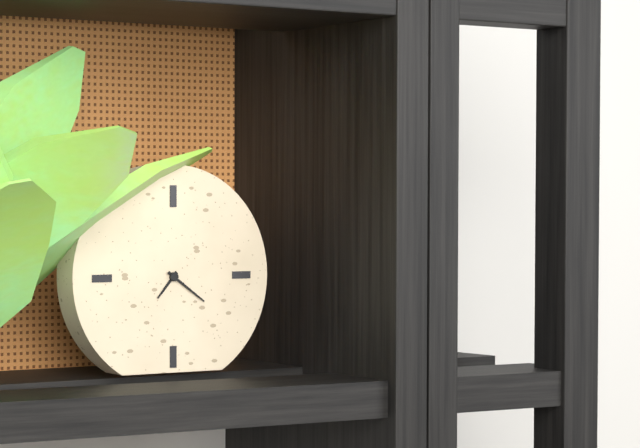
**7:21**
